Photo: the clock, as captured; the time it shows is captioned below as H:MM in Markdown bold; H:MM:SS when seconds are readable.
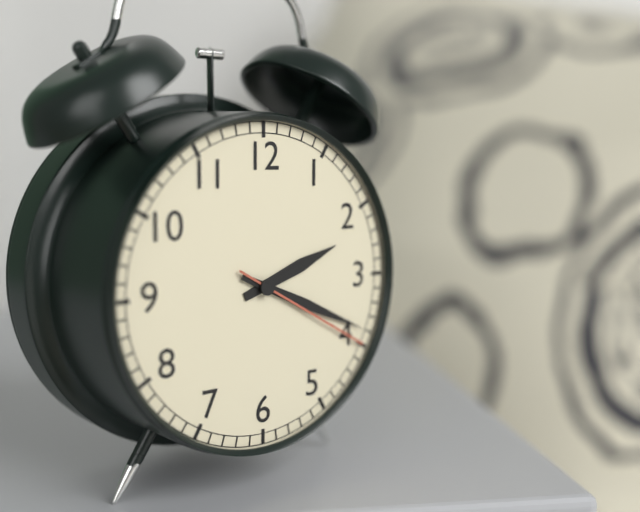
**2:19:20**
